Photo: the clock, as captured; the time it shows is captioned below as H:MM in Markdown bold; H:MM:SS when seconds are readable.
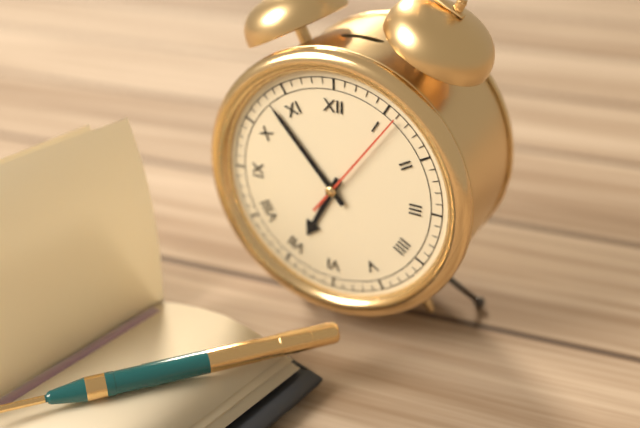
**6:53:06**
